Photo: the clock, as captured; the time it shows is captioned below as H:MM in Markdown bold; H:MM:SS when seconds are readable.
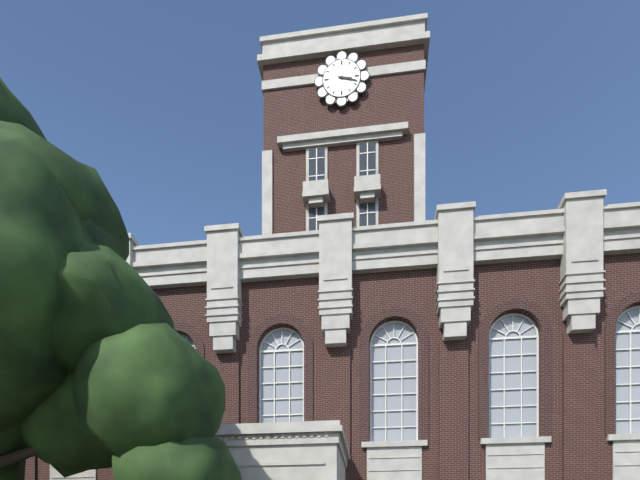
**3:18**
